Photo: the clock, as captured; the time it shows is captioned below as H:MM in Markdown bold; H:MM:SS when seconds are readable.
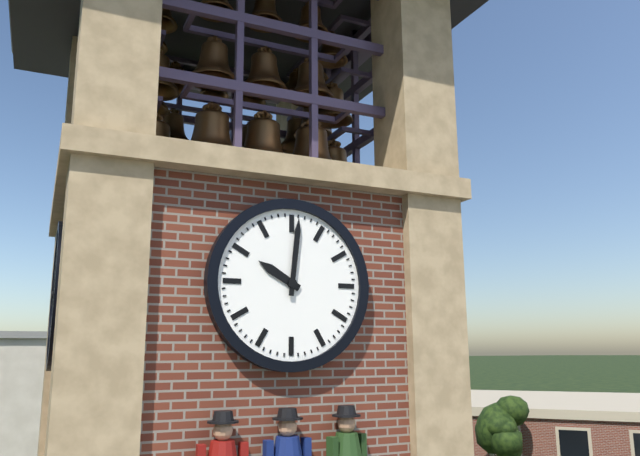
**10:01**
